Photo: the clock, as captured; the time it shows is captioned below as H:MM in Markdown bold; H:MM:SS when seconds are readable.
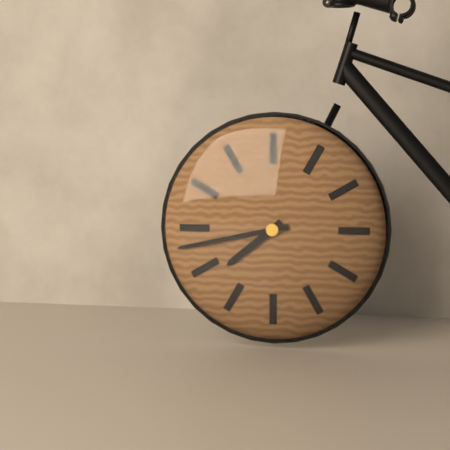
**7:43**
